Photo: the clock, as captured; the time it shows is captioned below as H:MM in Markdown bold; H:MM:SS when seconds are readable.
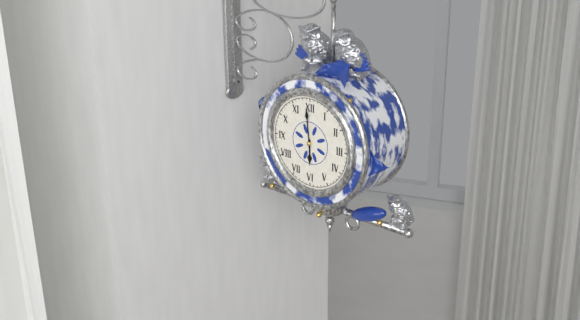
**5:59**
